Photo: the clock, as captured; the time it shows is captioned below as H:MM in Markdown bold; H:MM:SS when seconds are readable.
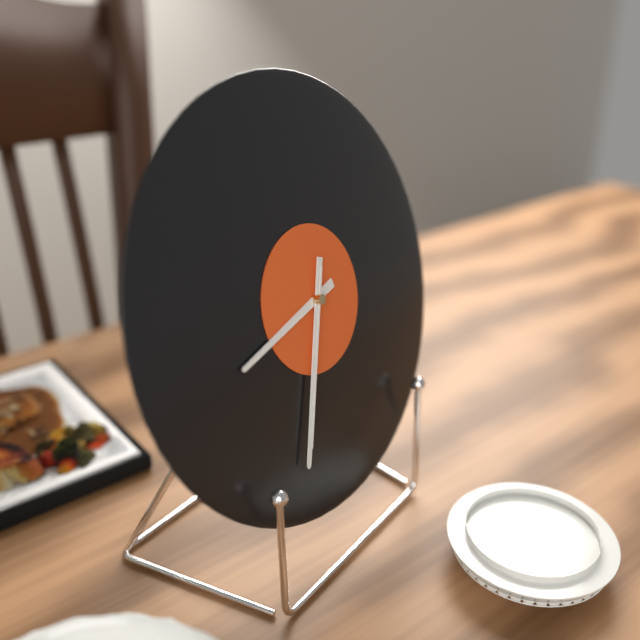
**8:34:34**
